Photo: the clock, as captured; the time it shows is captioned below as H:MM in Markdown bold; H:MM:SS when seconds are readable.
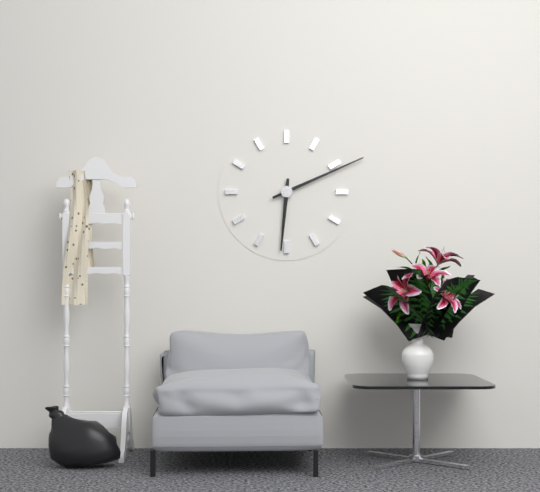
**6:11**
